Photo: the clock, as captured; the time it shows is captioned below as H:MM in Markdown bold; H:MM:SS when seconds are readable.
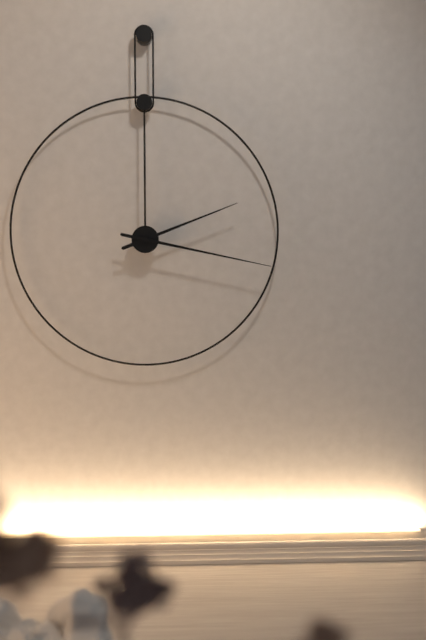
**2:17**
